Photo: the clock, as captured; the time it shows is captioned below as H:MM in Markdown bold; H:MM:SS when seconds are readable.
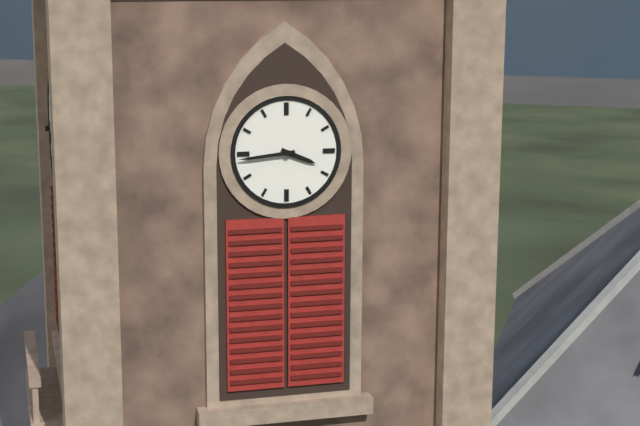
**3:44**
